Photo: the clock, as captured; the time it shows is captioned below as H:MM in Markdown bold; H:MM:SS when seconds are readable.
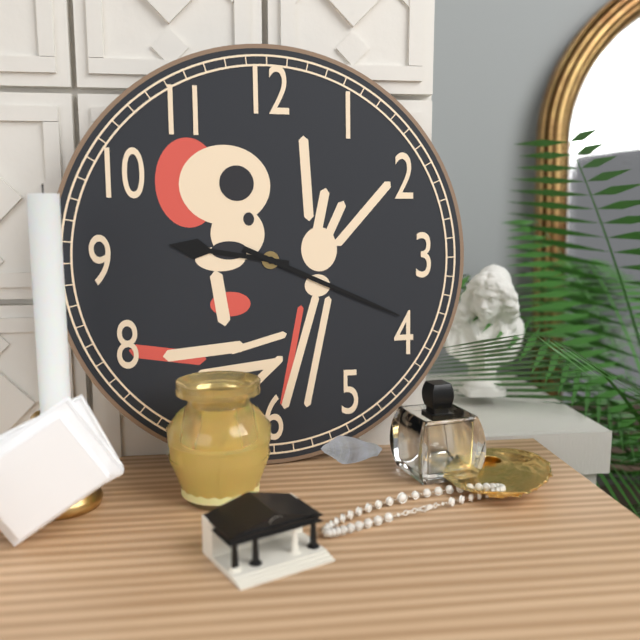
**9:19**
